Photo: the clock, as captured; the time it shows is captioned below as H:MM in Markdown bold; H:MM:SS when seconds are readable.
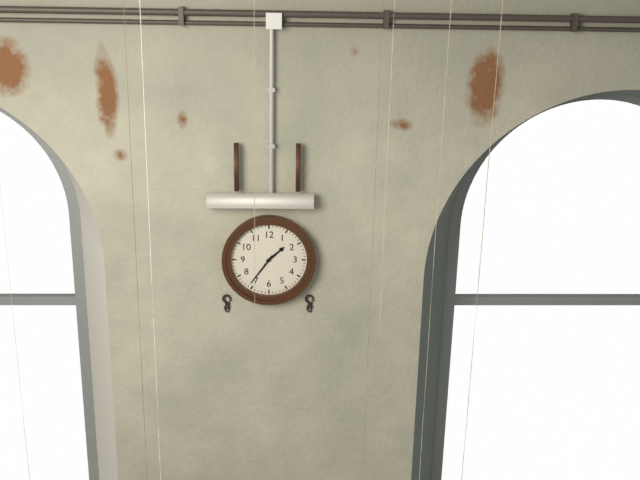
**1:36**
